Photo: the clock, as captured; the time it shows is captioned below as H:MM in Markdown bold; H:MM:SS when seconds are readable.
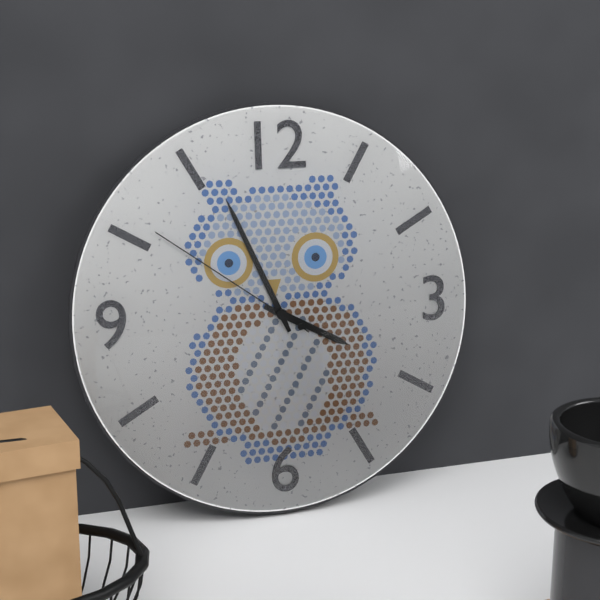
**3:56:51**
